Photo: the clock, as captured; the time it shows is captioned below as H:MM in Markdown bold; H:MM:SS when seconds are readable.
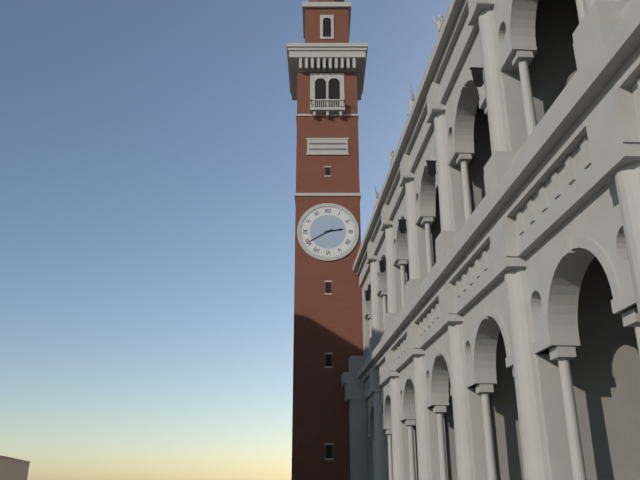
**2:40**
